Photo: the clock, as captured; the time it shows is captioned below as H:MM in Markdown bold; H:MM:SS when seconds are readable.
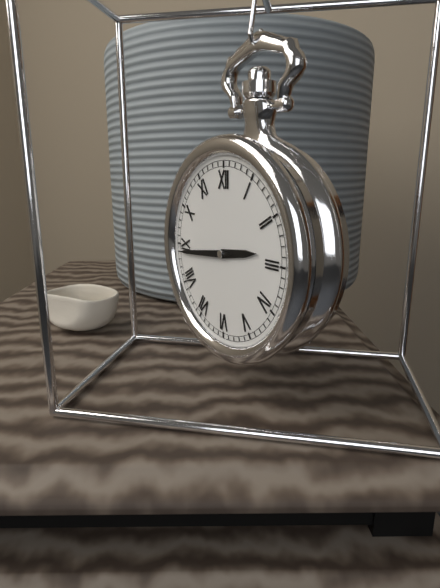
**2:44**
